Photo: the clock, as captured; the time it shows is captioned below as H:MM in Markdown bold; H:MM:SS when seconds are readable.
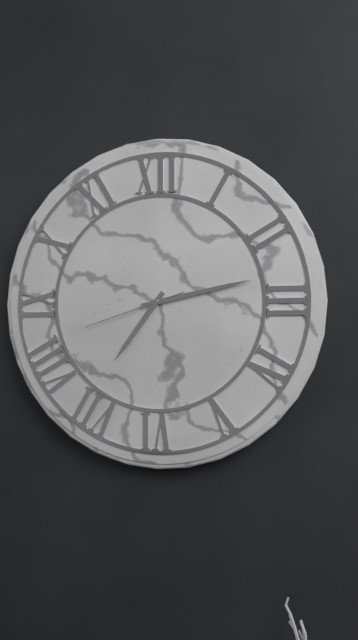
**7:13:42**
